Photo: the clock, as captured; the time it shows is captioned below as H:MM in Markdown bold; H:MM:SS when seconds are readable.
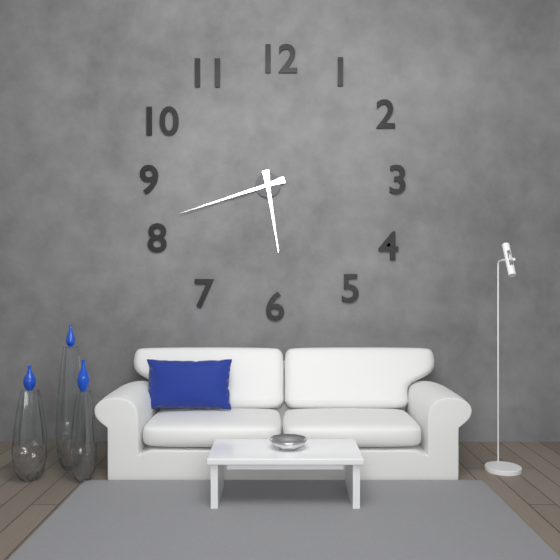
**5:42**
